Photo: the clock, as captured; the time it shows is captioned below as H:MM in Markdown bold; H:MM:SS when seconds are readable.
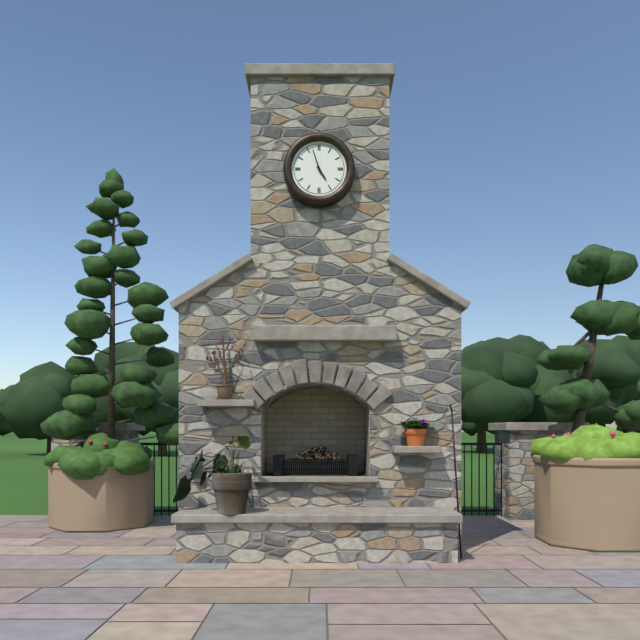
**4:57**
